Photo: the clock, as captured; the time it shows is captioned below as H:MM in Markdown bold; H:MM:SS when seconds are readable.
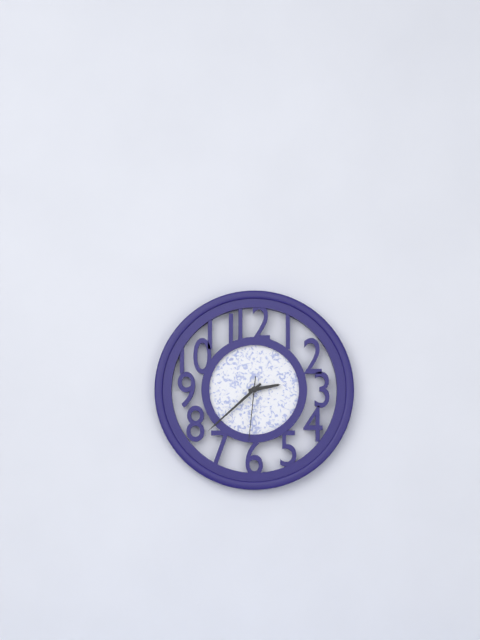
**2:38:31**
